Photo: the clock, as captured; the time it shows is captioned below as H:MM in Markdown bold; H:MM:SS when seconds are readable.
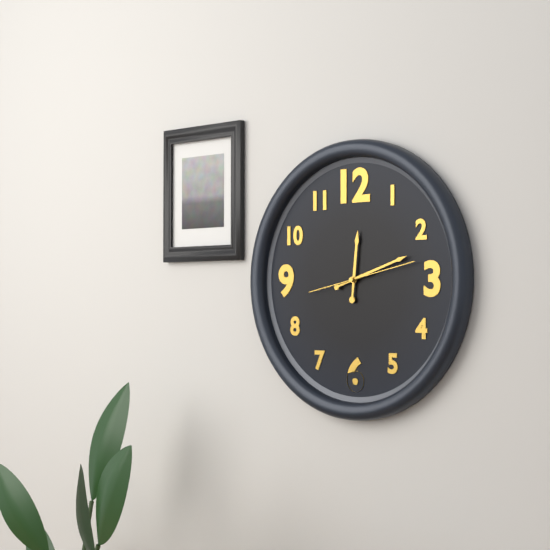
**12:12:13**
